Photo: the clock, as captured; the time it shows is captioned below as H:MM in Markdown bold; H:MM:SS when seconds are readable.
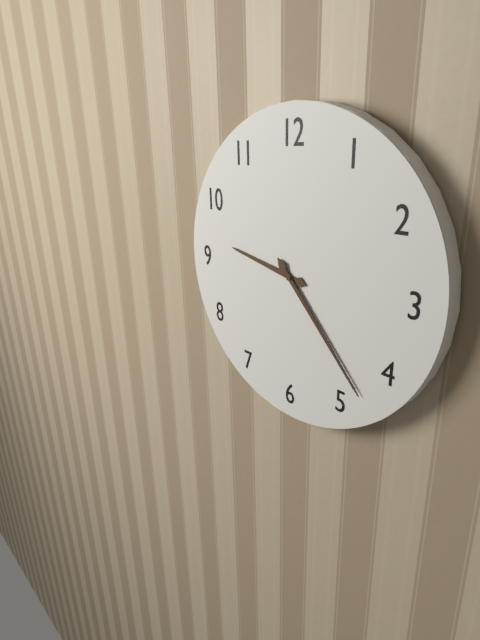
**9:23**
